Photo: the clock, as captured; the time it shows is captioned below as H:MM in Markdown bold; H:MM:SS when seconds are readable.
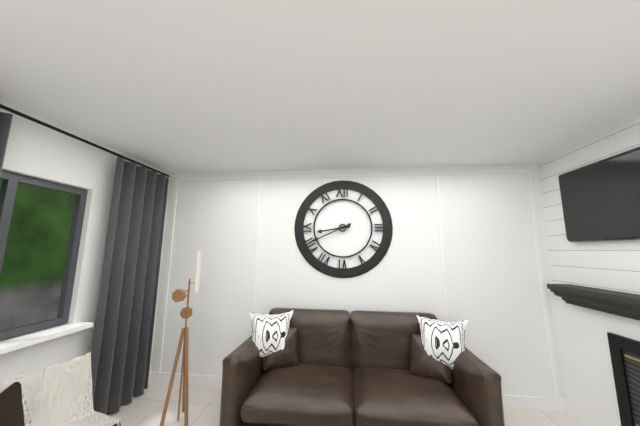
**8:41**
